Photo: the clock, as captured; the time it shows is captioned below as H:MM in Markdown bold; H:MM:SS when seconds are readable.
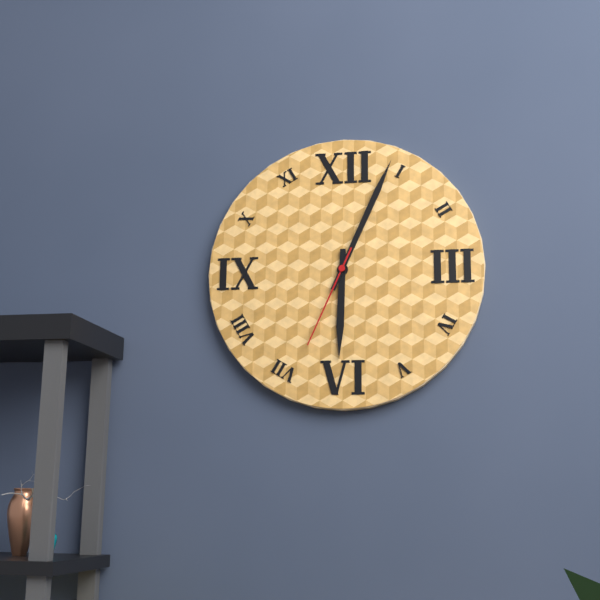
**6:04:34**
